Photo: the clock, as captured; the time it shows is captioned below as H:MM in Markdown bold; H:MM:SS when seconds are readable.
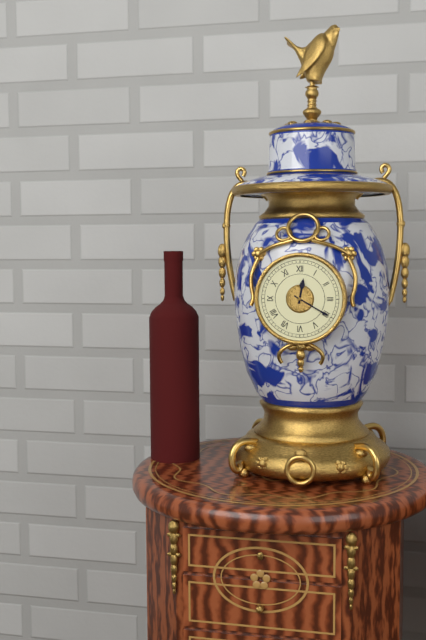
**12:20**
